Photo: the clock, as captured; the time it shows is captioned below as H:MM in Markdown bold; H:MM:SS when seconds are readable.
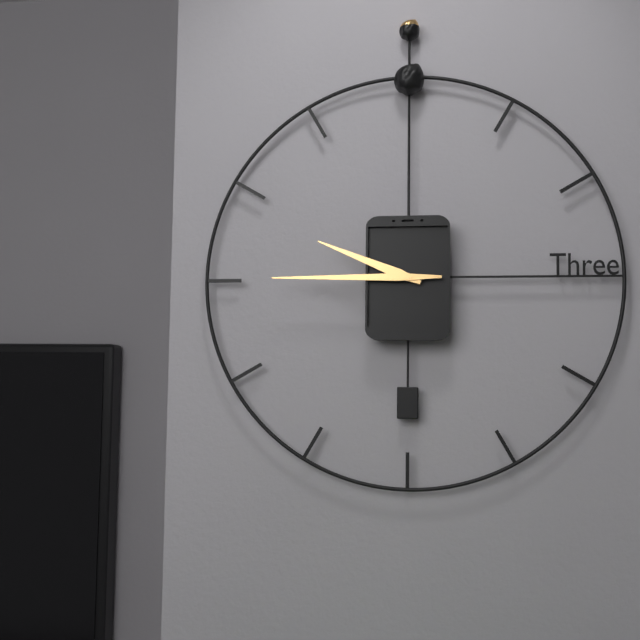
**9:45**
